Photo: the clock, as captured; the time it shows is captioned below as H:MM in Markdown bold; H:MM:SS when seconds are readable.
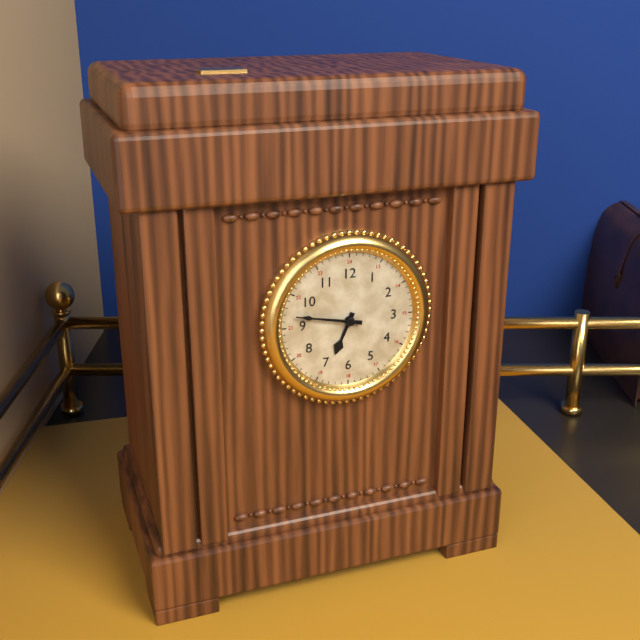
**6:47**
